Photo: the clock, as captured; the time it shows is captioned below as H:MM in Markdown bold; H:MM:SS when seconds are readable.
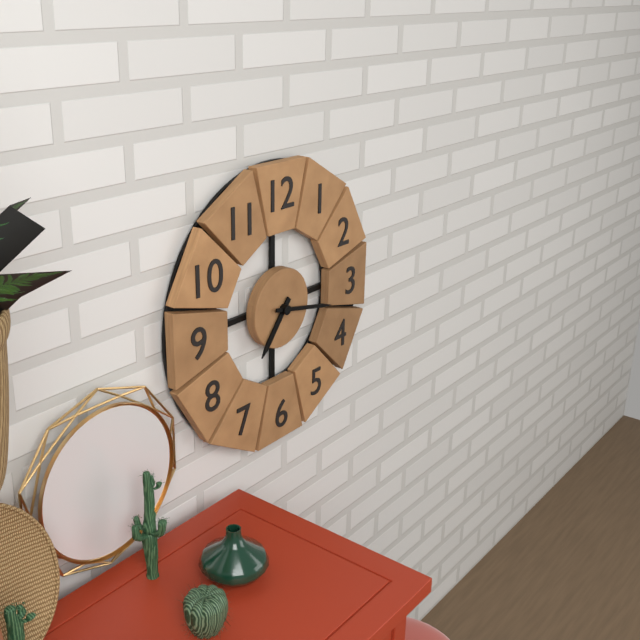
**7:17**
